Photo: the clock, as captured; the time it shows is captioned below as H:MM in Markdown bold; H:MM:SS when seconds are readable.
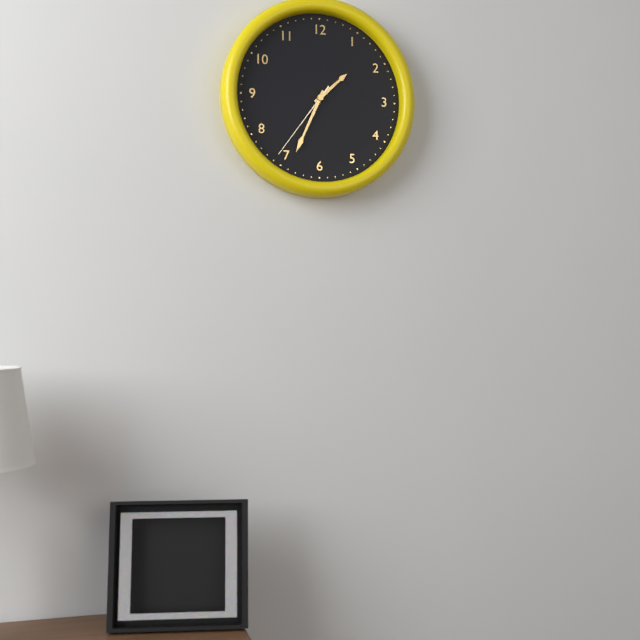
**1:34:36**
